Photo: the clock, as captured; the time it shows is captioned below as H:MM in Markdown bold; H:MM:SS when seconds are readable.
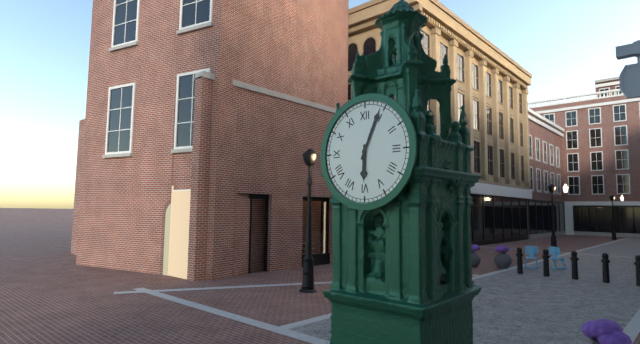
**6:04**
